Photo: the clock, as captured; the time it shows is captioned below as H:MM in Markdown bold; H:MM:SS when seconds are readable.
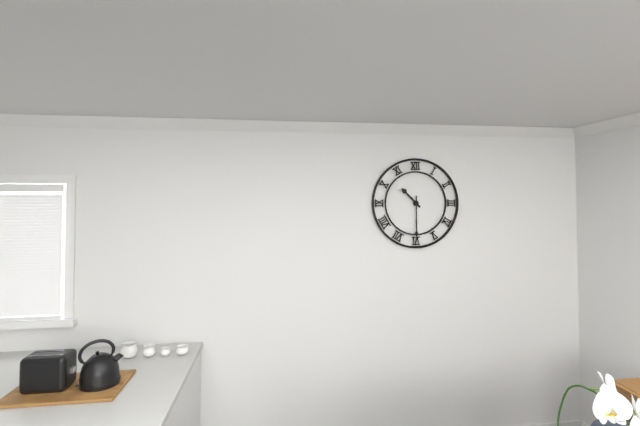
**10:30**
